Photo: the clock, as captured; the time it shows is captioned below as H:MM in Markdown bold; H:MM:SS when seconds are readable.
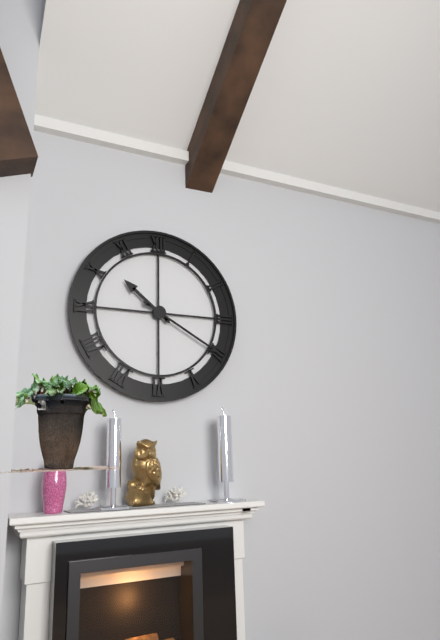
**10:20**
